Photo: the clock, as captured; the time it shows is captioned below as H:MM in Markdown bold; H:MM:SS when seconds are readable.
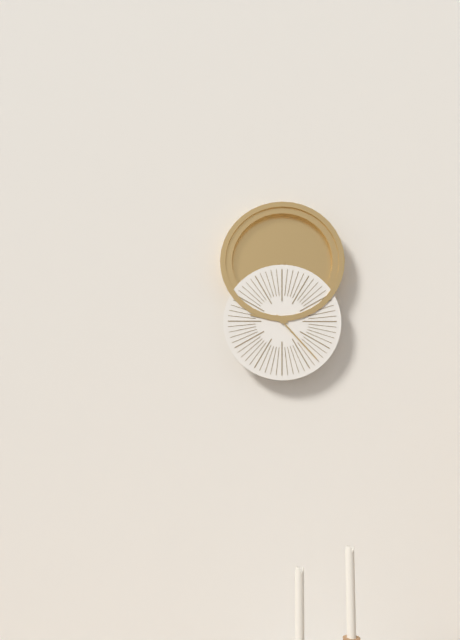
**9:23**
